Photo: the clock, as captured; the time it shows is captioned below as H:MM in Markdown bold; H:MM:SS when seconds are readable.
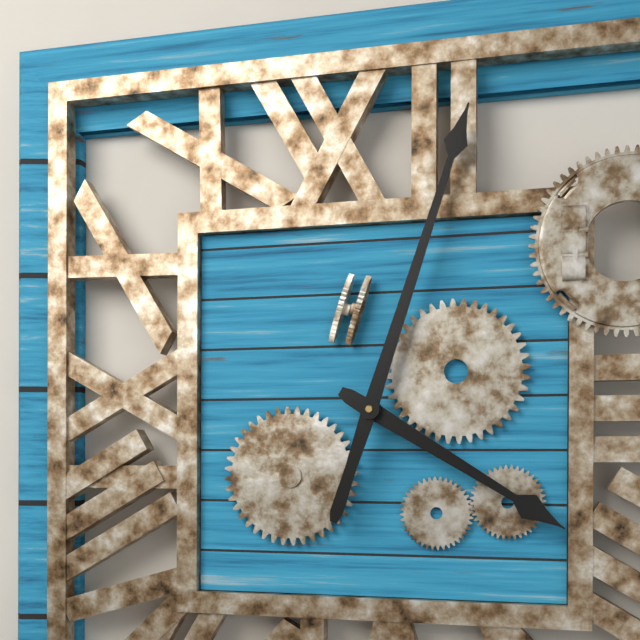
**4:03**
